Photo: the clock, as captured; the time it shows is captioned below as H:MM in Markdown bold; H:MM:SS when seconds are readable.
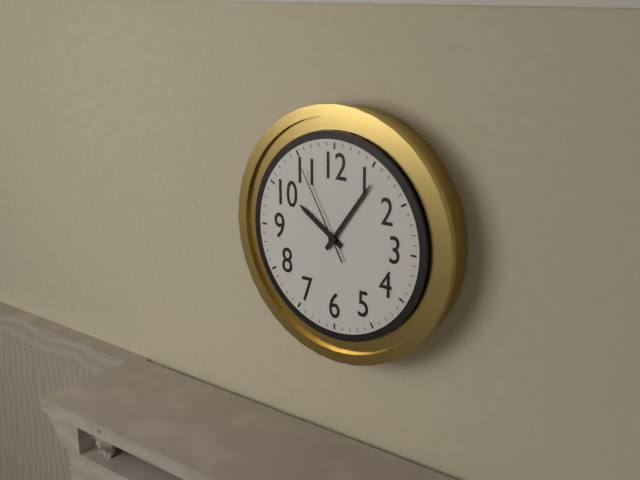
**10:06:55**
